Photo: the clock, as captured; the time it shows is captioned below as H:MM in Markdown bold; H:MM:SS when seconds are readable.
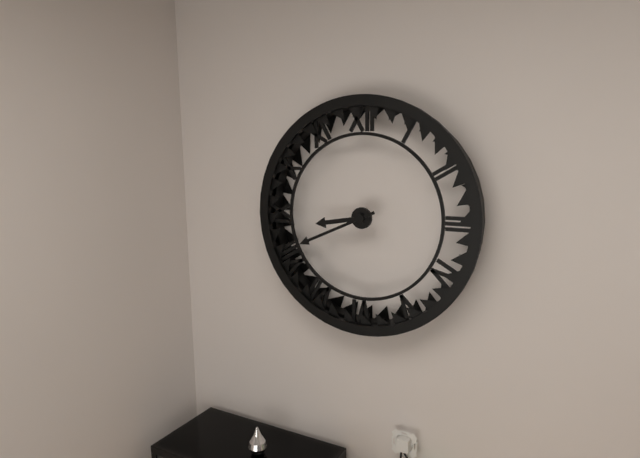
**8:41**
